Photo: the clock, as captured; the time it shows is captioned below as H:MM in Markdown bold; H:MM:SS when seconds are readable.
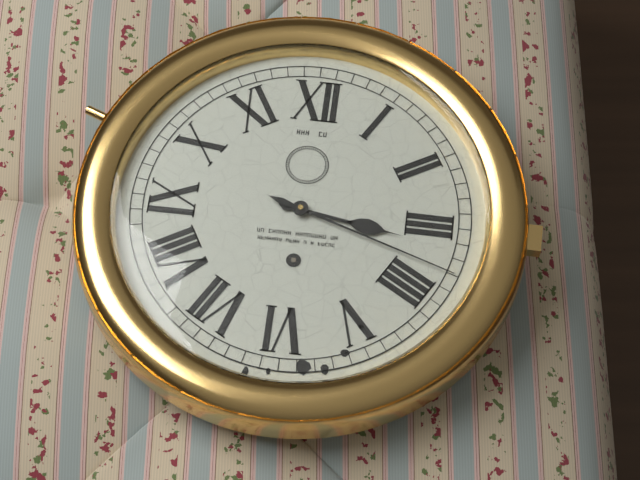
**3:18**
